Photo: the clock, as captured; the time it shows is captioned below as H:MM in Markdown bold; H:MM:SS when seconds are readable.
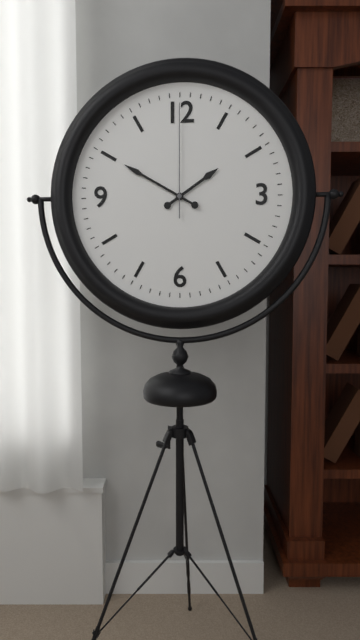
**1:50:00**
